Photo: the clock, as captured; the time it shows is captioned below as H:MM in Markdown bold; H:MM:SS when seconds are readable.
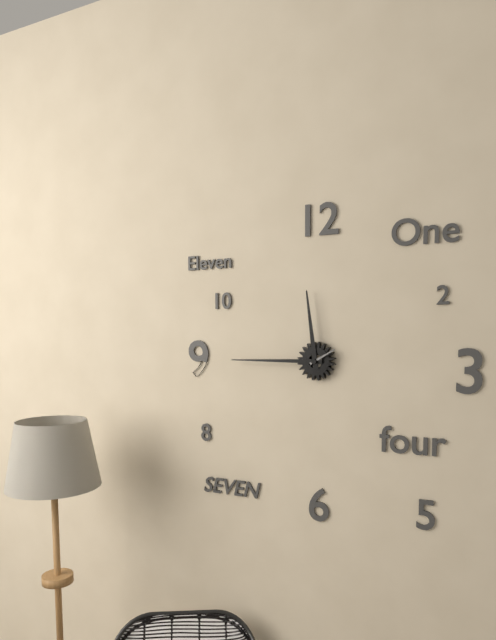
**11:45**
